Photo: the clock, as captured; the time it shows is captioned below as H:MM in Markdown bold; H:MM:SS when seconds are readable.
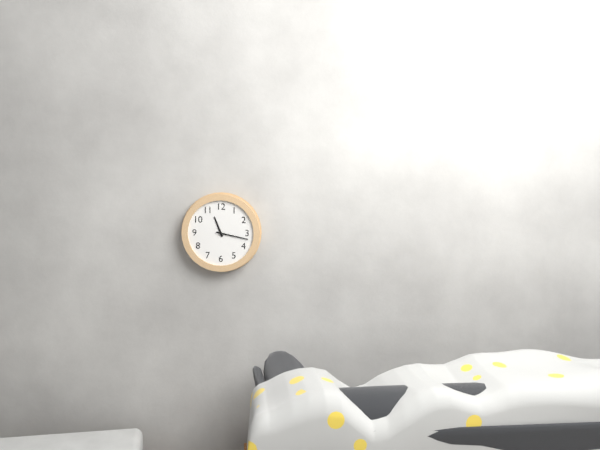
**11:17**
